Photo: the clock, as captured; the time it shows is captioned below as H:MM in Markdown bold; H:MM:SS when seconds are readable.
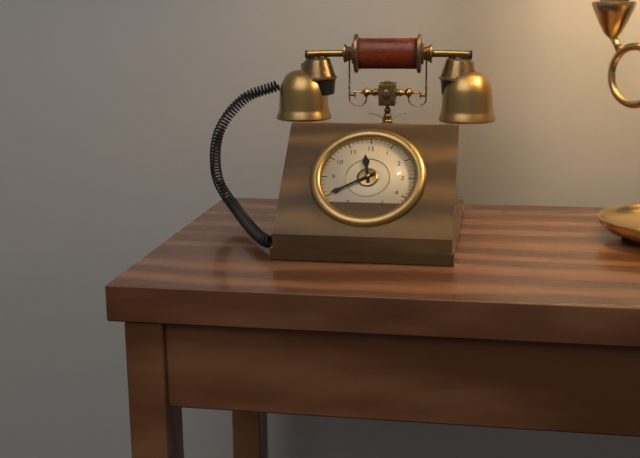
**11:40**
